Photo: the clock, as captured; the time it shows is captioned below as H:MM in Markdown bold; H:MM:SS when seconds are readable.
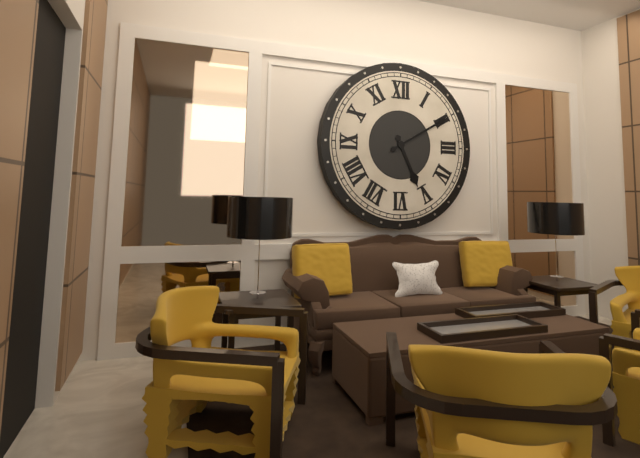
**5:10**
